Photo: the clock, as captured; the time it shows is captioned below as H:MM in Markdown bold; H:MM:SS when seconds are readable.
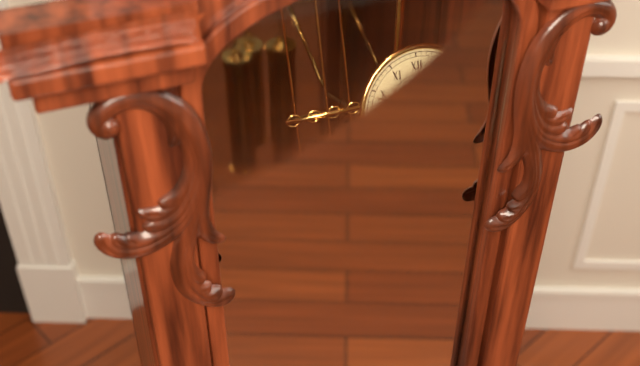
**7:49**
